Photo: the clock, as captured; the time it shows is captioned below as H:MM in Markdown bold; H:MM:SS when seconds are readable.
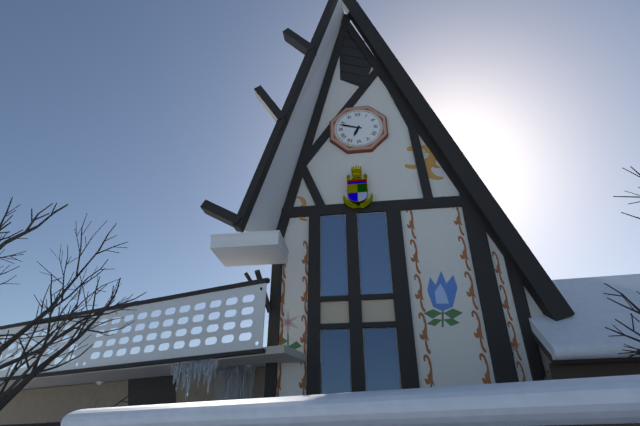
**6:48**
